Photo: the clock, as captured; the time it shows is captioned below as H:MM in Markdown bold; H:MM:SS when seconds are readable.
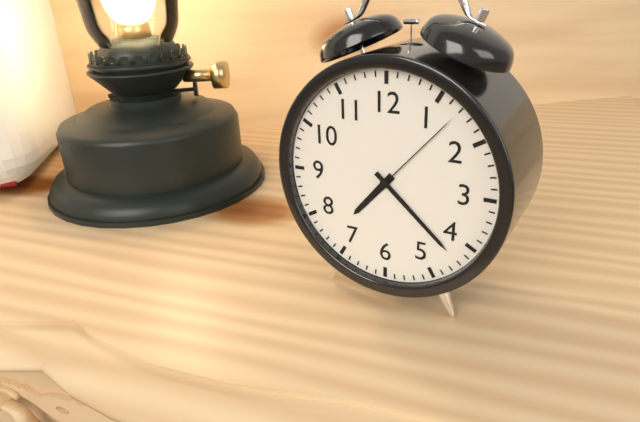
**7:22:07**
